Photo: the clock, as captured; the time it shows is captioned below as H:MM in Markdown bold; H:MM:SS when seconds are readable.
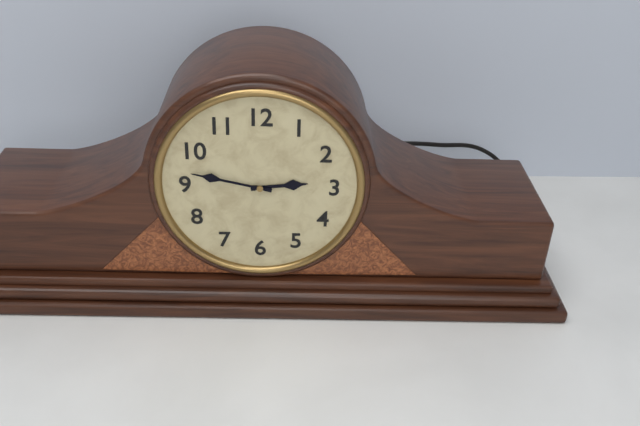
**2:47**
